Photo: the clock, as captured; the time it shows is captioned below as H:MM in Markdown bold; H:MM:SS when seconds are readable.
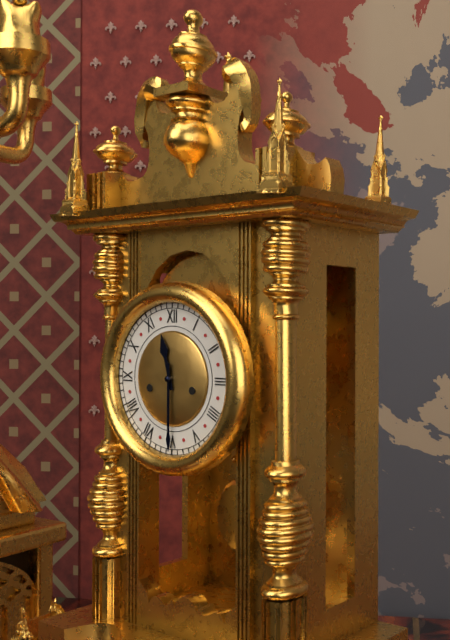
**11:30**
